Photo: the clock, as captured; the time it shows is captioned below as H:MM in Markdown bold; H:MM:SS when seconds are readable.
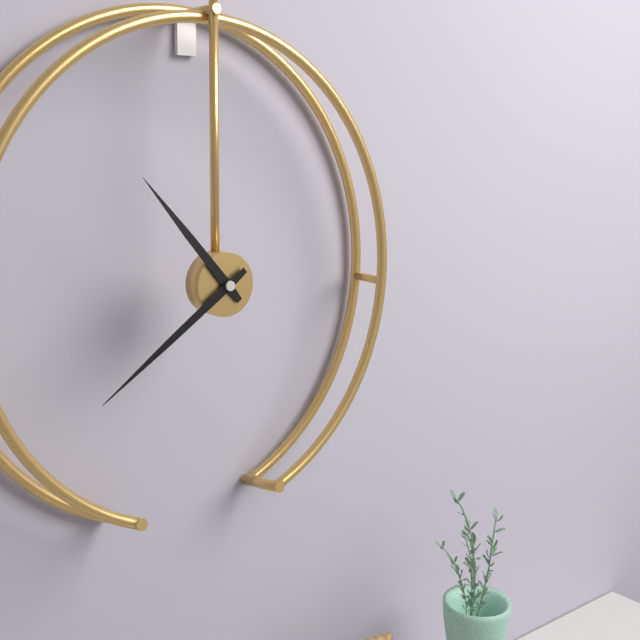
**10:39**
